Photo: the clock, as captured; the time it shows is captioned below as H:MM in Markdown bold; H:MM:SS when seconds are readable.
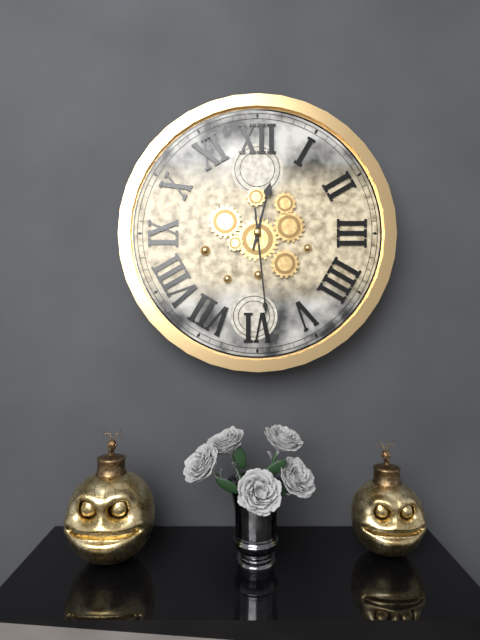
**12:29**
